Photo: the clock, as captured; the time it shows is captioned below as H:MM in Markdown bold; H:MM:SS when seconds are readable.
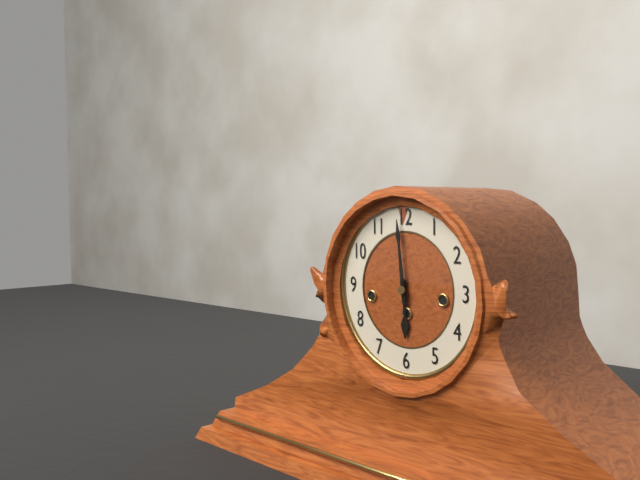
**5:59**
